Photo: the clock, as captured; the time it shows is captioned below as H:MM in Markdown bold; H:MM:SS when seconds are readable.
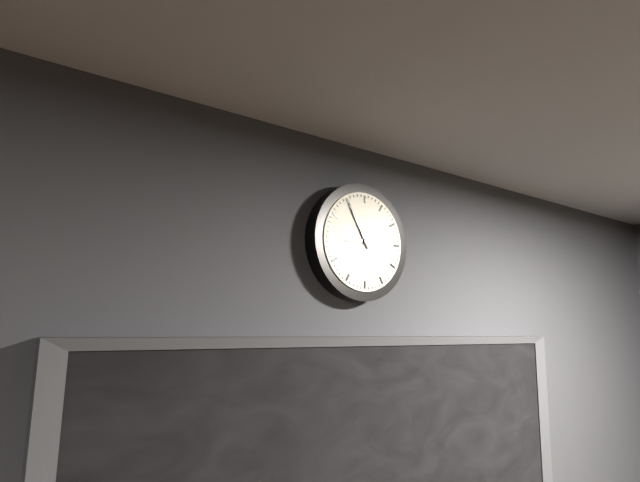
**8:55**
